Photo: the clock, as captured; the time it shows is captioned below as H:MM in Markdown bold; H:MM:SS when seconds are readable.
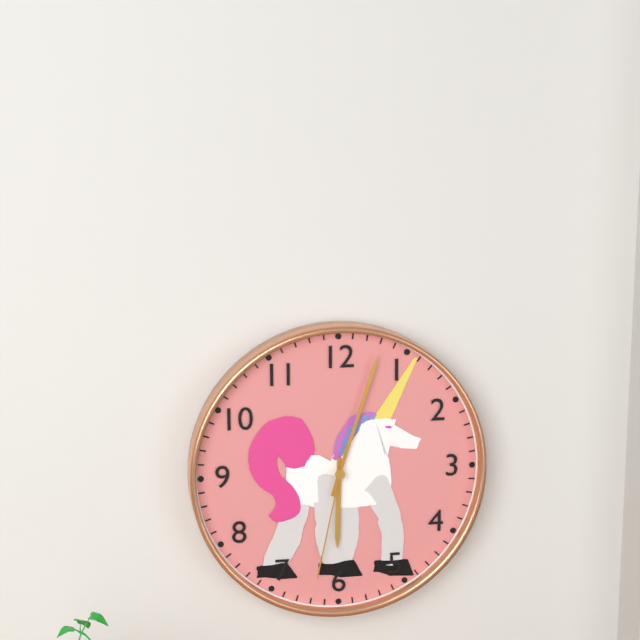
**6:03:32**
